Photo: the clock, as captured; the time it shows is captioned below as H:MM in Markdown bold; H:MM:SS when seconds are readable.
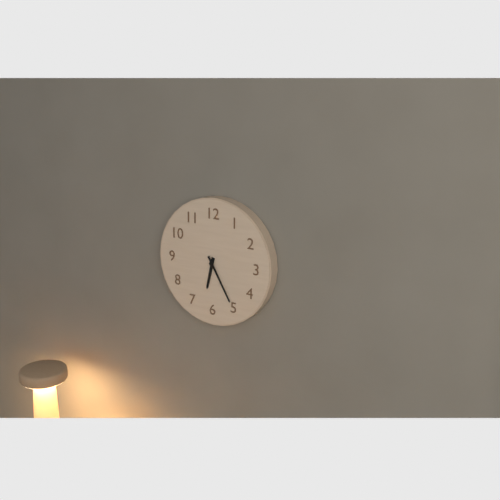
**6:25**
